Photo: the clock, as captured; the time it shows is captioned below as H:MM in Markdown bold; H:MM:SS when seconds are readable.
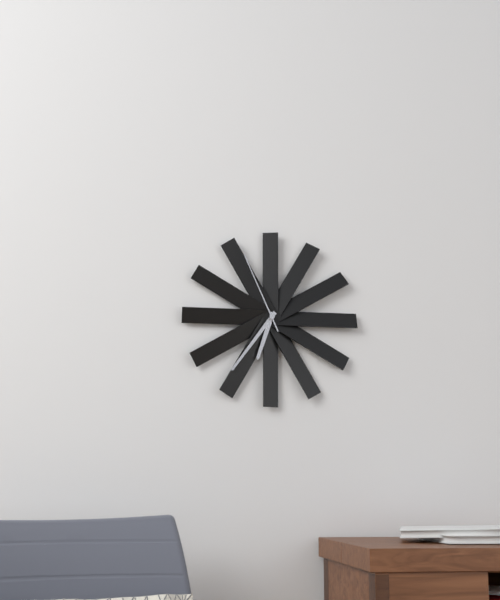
**6:36:56**
